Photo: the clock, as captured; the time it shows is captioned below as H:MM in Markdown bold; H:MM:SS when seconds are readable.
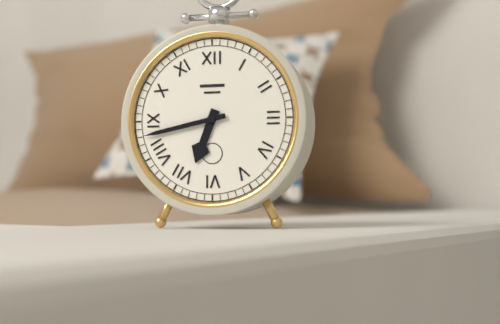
**6:43**
